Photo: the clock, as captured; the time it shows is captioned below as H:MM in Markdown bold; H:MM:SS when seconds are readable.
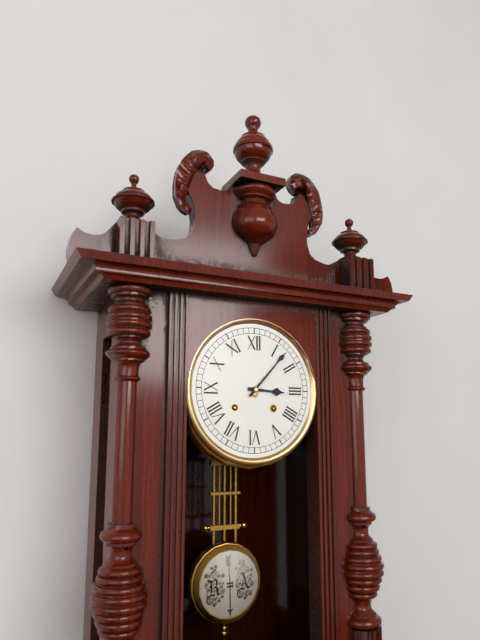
**3:07**
